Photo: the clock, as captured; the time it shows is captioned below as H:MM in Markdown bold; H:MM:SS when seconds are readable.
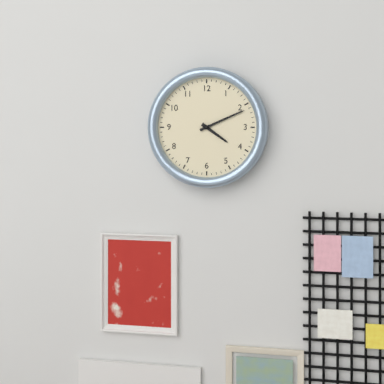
**4:11**
